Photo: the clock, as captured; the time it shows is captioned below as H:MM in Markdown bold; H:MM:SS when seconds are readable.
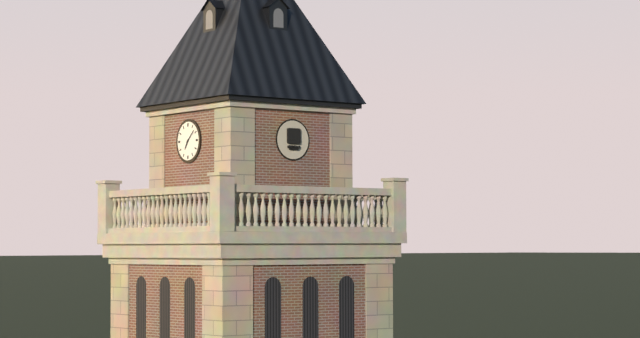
**7:08**
